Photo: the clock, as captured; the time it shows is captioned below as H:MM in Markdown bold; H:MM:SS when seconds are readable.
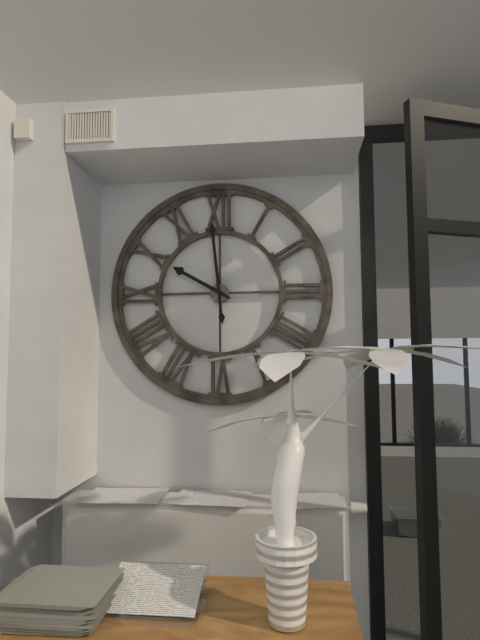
**9:59**
